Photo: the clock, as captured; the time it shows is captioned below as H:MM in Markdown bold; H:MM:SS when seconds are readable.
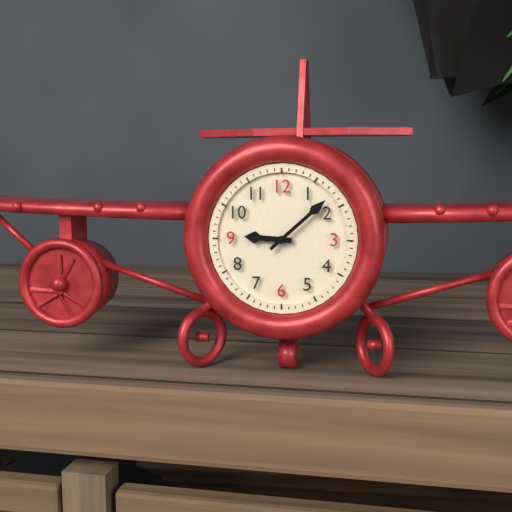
**9:08**
